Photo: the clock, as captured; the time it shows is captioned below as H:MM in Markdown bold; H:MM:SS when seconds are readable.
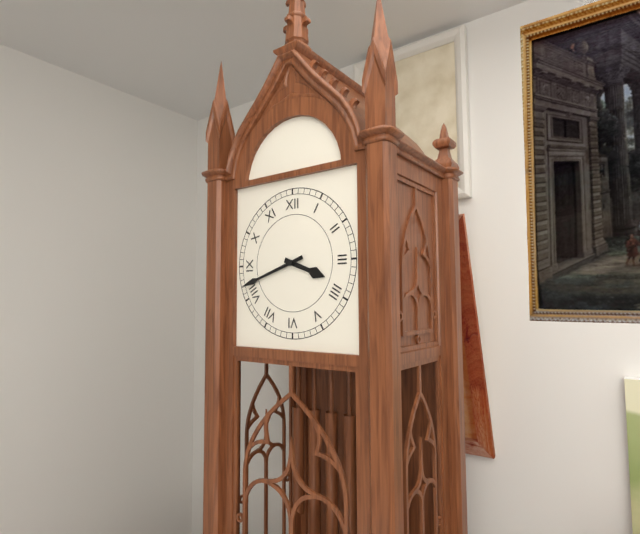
**3:42**
